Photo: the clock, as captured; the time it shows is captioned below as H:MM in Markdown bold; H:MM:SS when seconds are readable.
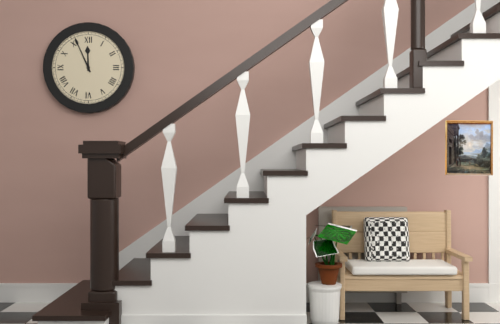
**11:56**
